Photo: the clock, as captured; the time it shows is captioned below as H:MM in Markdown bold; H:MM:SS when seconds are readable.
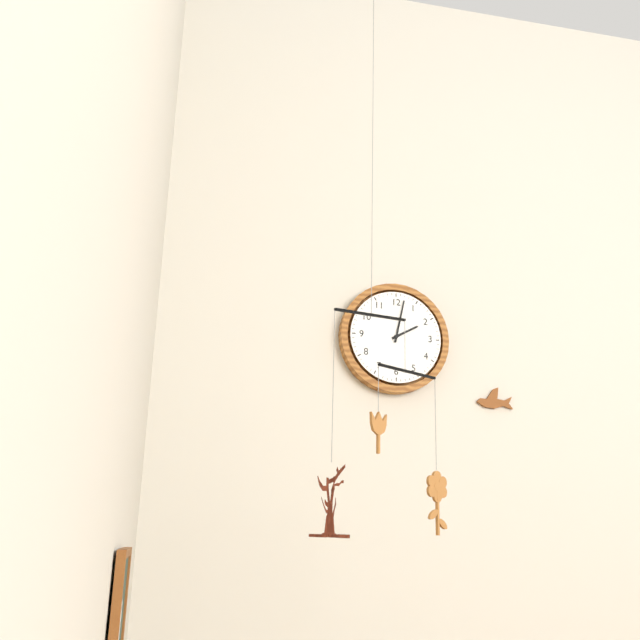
**2:02**
